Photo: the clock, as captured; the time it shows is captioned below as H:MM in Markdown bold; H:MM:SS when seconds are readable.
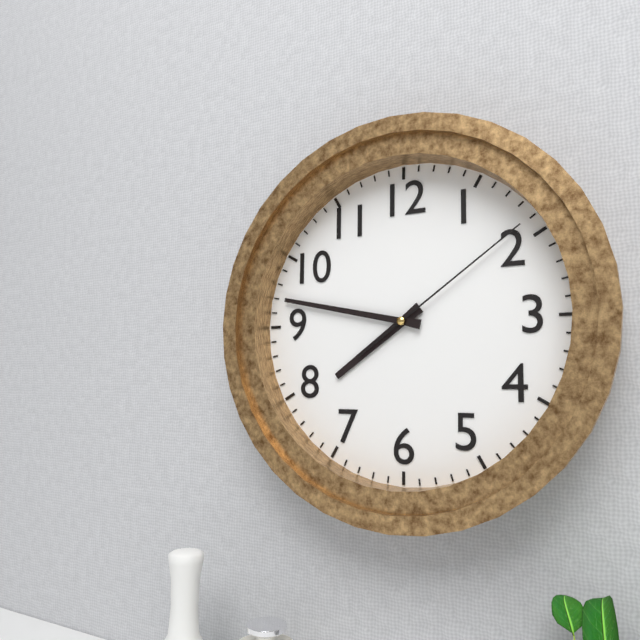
**7:47:09**
